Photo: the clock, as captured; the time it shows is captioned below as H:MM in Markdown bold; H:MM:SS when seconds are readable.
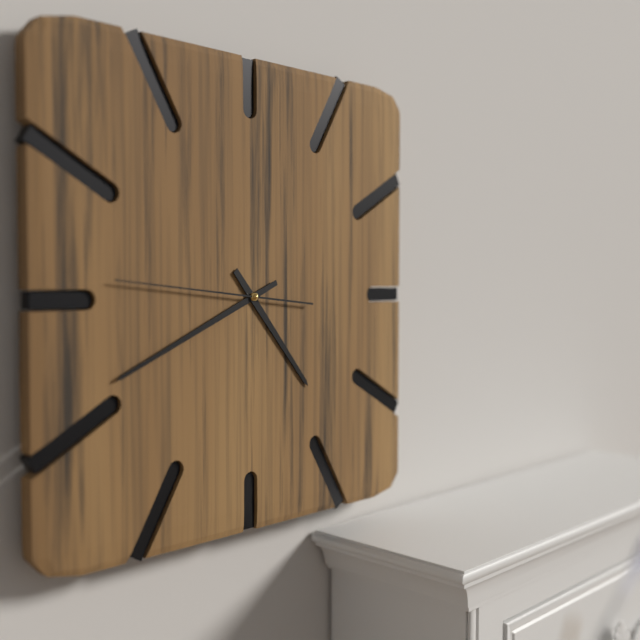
**4:41:46**
